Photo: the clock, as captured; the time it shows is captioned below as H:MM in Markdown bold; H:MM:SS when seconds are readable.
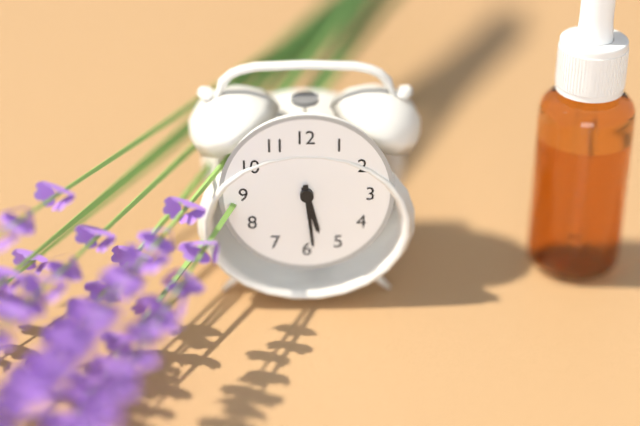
**5:29**
